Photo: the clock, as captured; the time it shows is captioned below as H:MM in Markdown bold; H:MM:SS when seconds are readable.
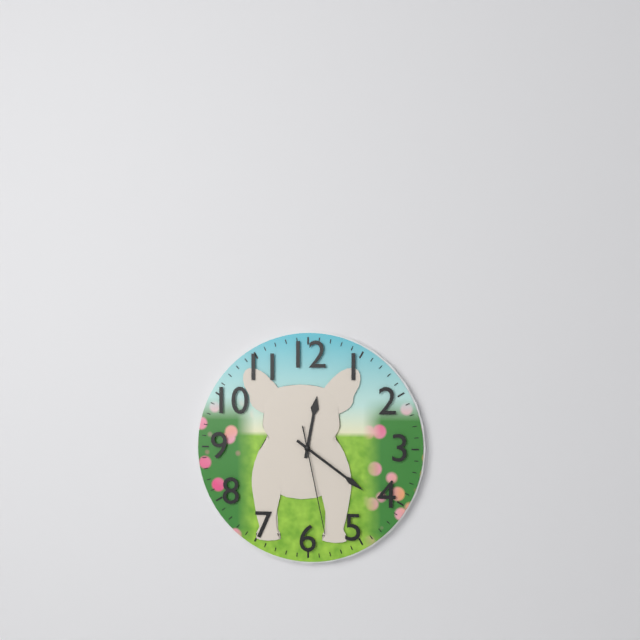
**12:21:28**
